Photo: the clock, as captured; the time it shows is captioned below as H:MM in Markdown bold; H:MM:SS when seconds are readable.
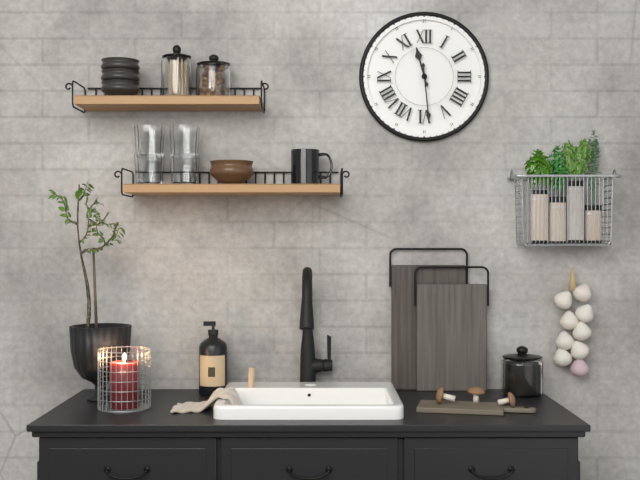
**11:29**
